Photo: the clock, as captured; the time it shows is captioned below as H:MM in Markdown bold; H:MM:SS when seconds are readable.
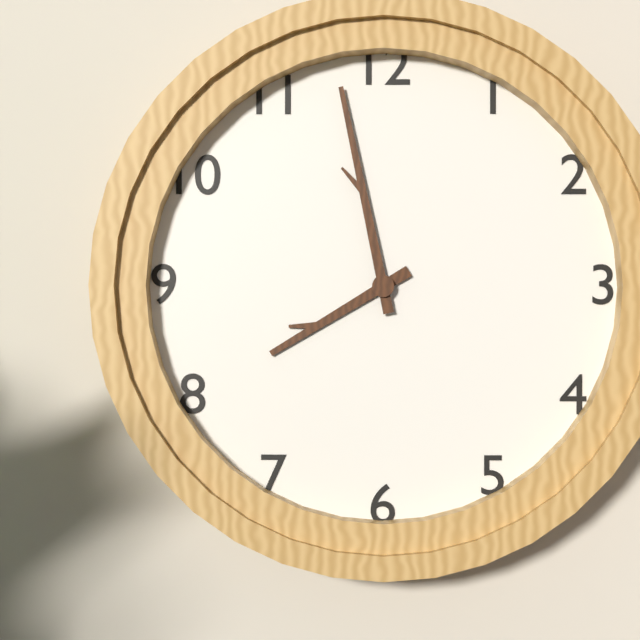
**7:58**
